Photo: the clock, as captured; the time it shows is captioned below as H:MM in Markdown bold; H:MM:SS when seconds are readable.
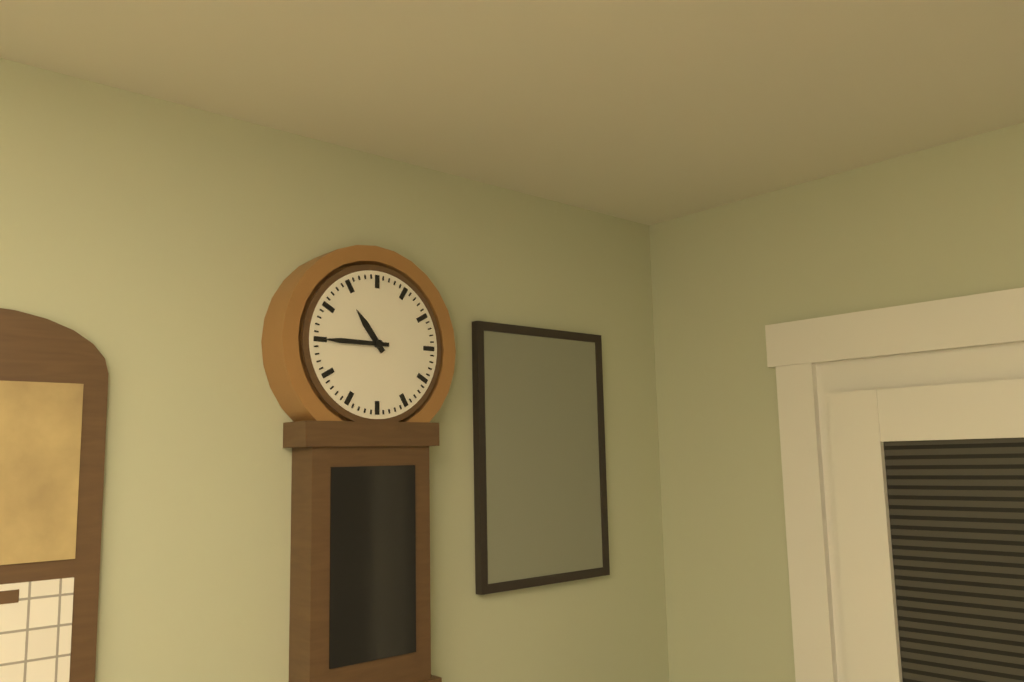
**10:45**
